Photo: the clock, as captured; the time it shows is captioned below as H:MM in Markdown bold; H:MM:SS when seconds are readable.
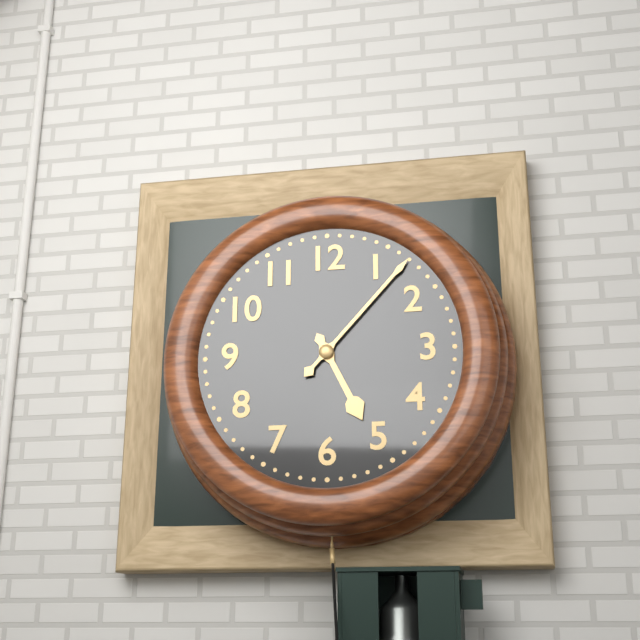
**5:07**
